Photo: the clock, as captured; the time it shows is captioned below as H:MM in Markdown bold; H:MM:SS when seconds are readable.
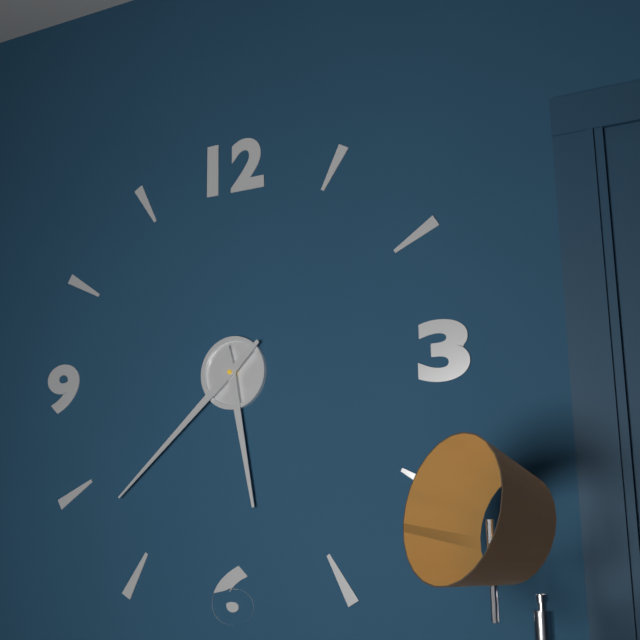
**5:38**
